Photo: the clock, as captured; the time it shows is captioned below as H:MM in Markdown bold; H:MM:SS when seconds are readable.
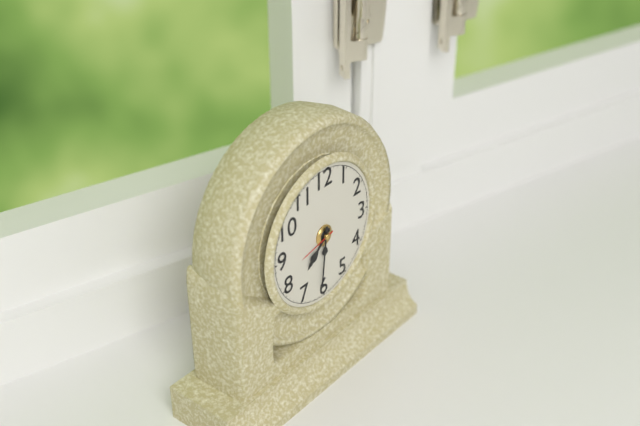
**7:31**
